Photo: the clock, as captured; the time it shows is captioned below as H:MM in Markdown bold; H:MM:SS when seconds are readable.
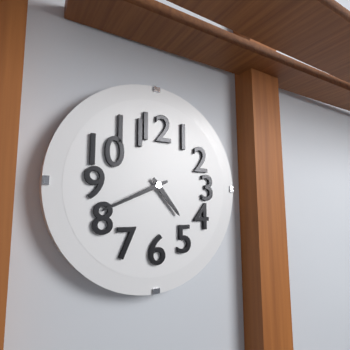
**4:41**
